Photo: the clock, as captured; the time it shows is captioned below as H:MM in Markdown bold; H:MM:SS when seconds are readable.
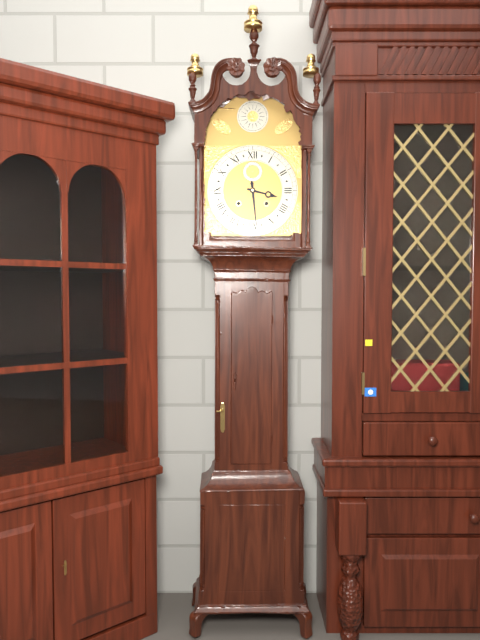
**3:29**
